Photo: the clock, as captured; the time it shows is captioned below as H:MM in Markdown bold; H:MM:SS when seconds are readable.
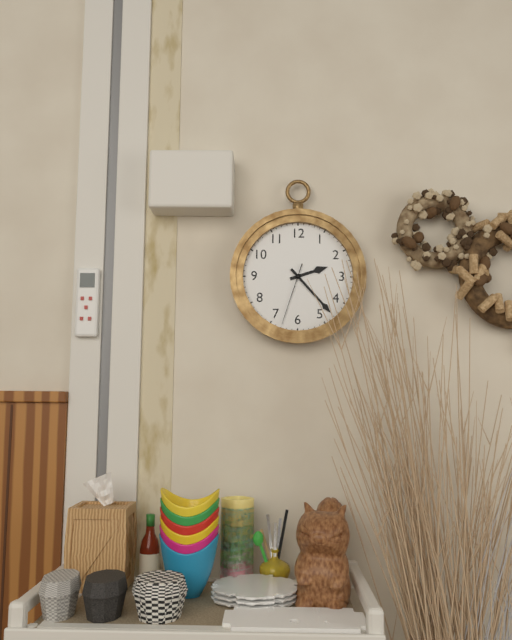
**2:23:33**
